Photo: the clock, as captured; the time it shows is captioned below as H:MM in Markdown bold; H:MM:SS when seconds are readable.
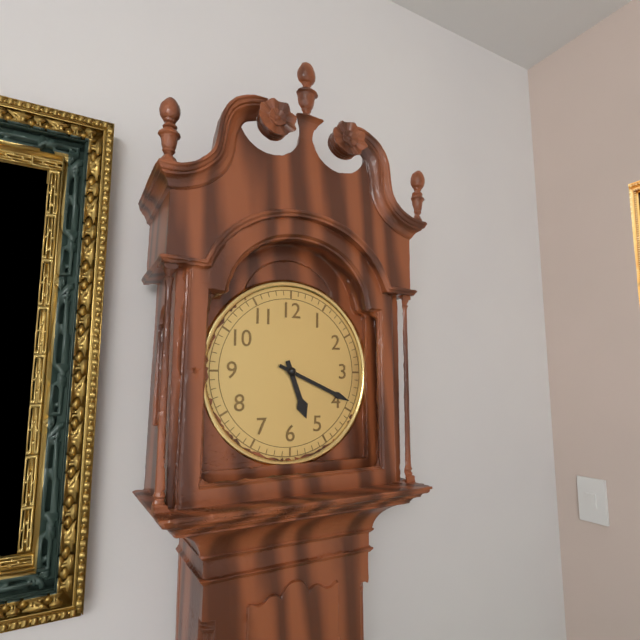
**5:19**
